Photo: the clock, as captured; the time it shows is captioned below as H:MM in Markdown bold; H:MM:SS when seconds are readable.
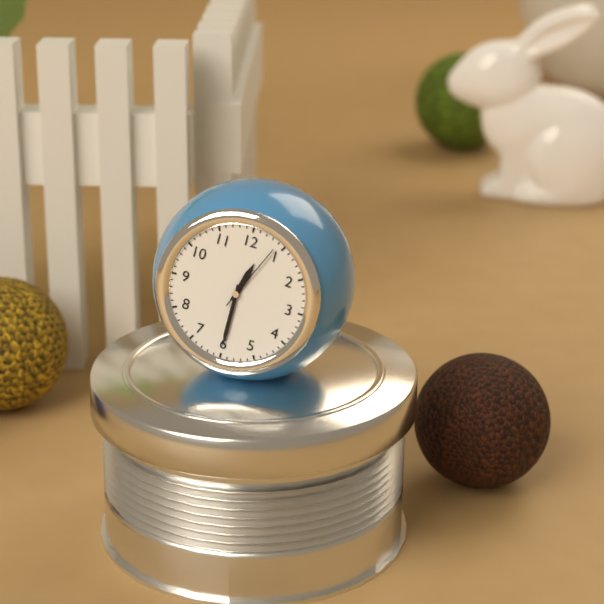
**12:30**
